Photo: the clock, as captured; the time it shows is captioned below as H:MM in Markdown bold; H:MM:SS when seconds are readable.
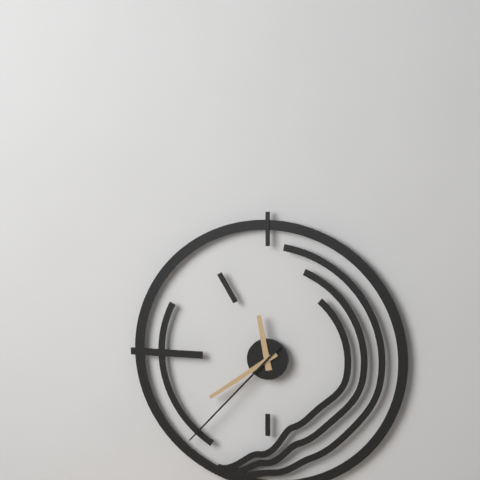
**11:39:37**
